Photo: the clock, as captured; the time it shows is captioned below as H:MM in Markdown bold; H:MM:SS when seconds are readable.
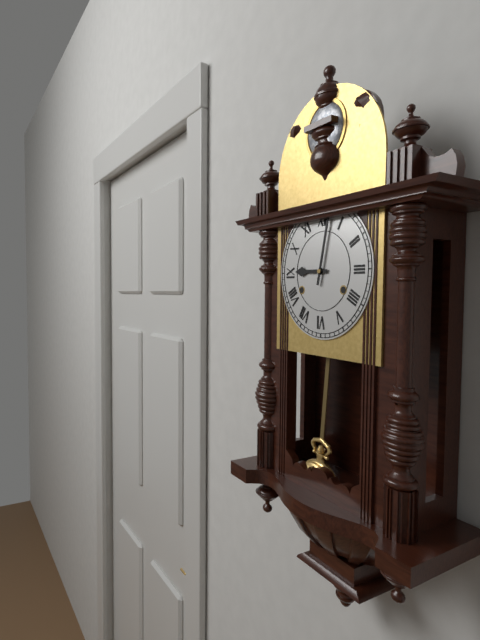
**9:02**
